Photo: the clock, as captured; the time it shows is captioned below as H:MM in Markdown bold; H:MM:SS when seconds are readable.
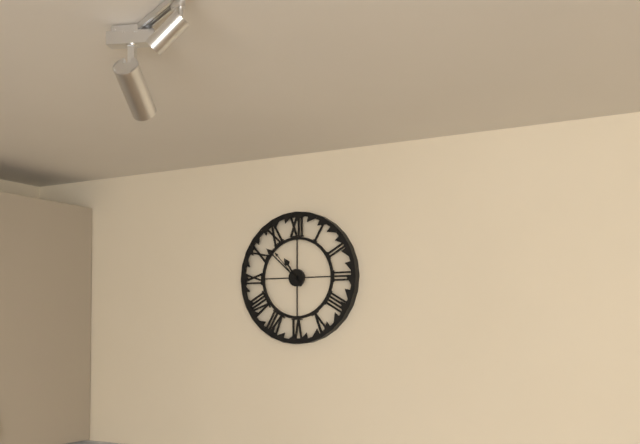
**10:52**
